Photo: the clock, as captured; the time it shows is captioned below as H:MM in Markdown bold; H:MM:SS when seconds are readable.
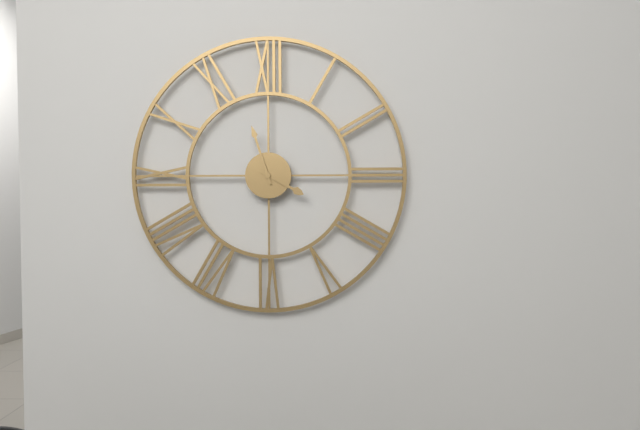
**3:57**
